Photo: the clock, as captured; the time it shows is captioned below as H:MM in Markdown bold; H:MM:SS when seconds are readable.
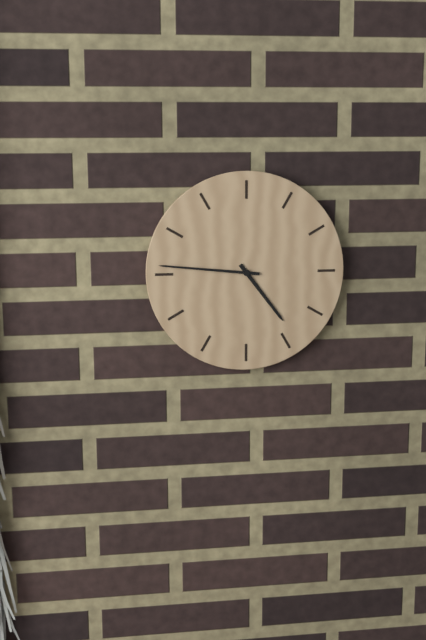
**4:46**
